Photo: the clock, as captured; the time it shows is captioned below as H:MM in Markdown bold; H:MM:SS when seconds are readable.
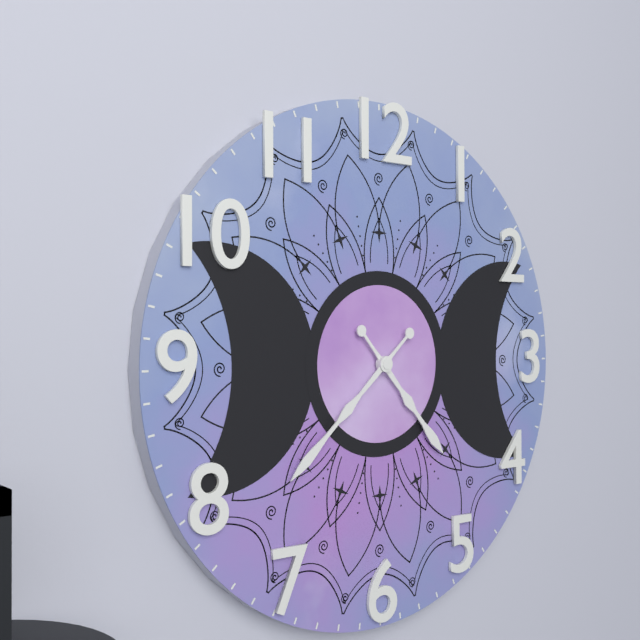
**4:38**
